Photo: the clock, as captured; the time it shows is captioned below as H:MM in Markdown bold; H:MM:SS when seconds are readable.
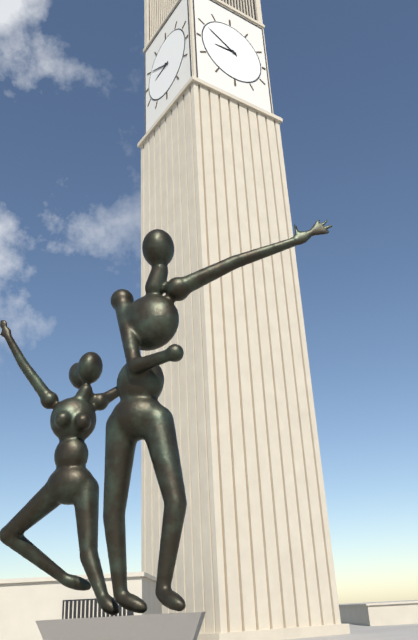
**8:50**
